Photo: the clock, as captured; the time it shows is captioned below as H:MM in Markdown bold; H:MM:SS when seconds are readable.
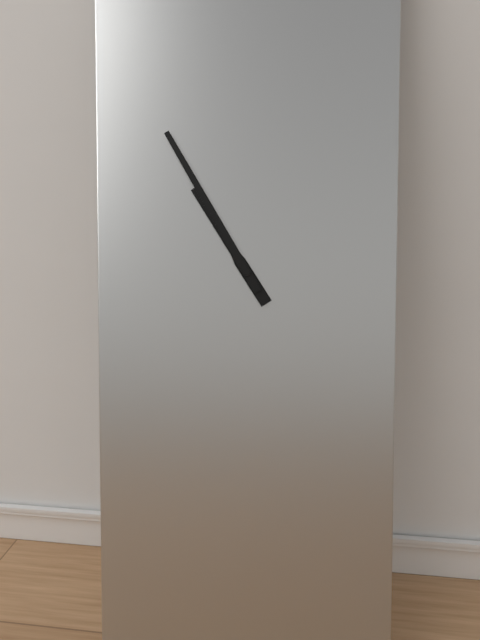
**10:55**
